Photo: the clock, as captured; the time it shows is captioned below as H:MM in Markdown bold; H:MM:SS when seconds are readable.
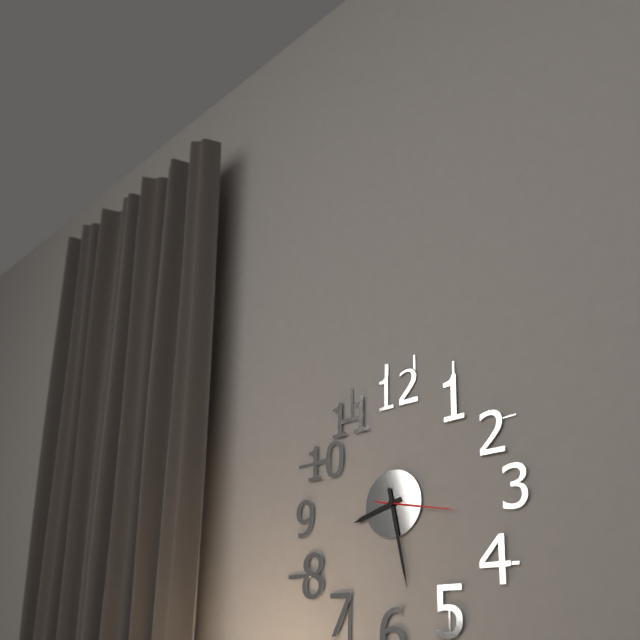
**8:28:17**
